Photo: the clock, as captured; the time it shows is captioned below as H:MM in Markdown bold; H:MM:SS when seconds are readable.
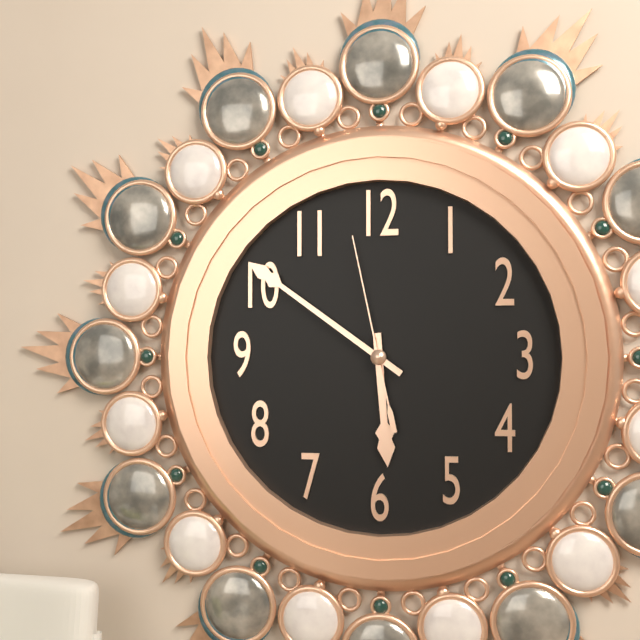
**5:51:58**
